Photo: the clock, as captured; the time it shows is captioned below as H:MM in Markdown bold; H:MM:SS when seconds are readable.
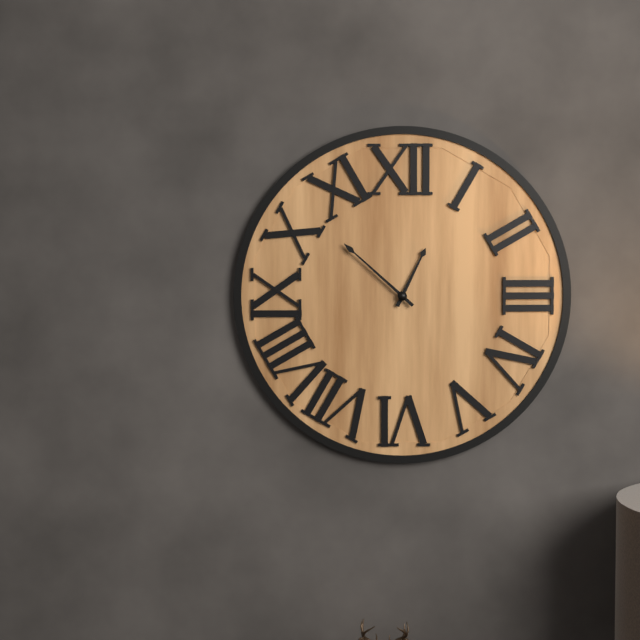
**12:52**
